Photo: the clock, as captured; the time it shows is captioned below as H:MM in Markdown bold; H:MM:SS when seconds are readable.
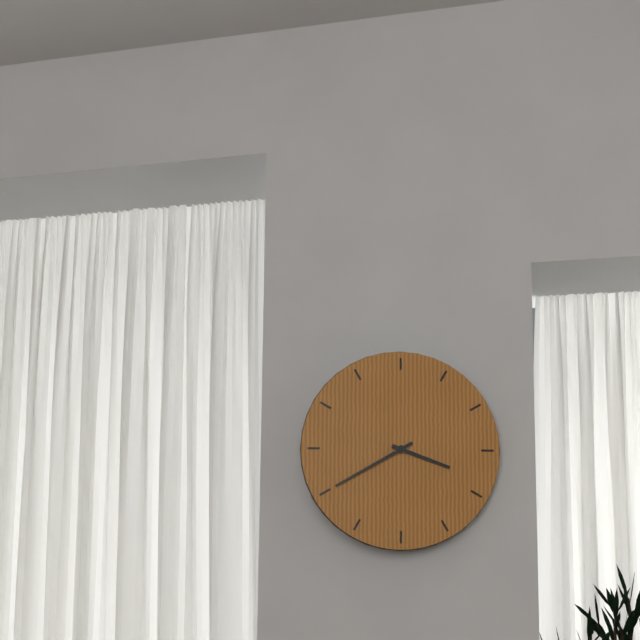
**3:40**
